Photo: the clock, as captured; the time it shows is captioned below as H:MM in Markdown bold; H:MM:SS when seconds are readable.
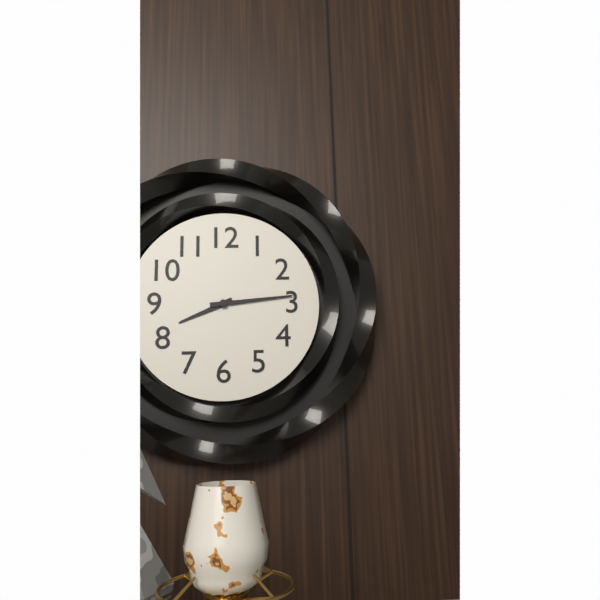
**8:14**
